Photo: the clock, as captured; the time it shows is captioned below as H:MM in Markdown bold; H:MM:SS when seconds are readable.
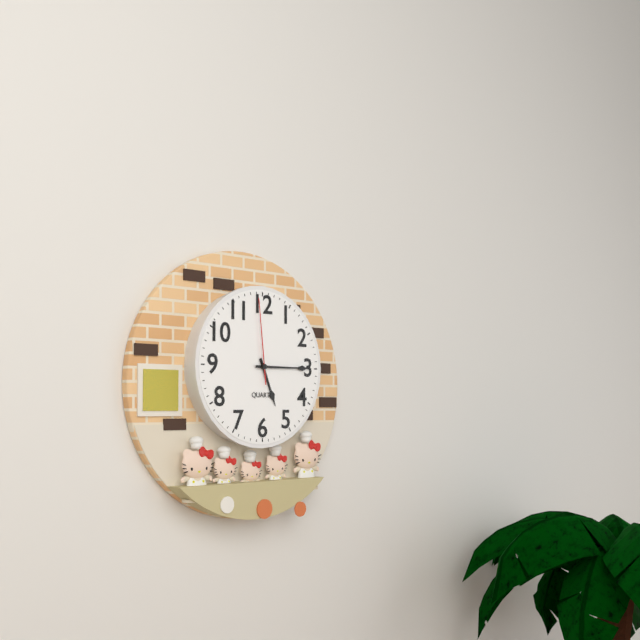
**5:15:59**
